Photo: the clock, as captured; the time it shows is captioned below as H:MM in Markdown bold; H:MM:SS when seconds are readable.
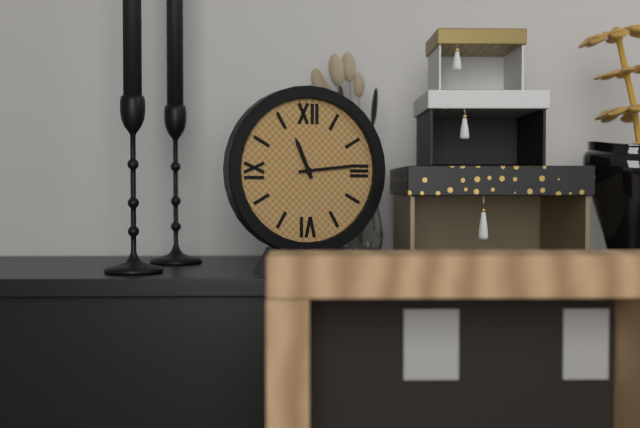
**11:14**
